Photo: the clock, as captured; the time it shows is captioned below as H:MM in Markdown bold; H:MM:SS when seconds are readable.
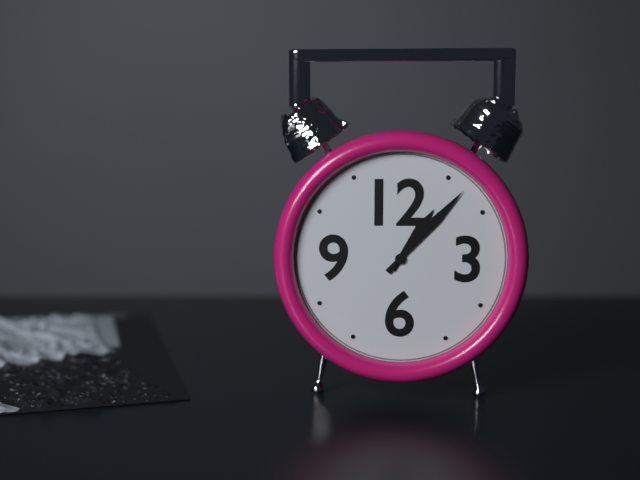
**1:07**
